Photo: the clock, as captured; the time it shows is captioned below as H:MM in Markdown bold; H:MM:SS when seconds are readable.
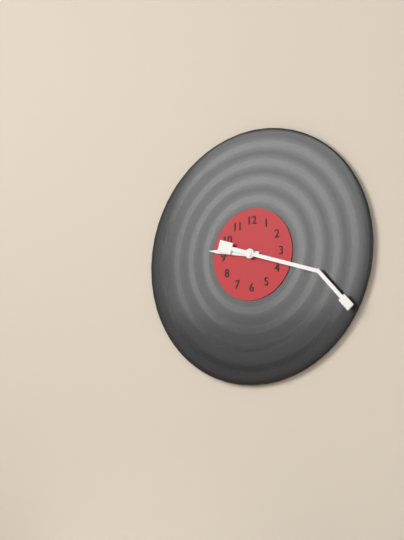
**9:18**
